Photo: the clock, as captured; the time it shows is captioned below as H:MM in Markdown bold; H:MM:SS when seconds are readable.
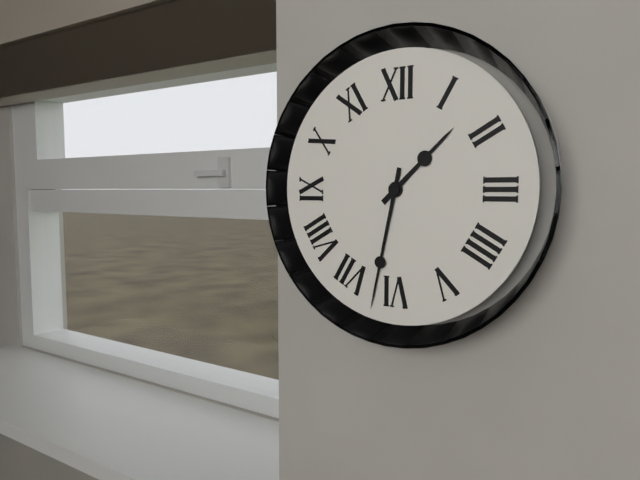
**1:32**
